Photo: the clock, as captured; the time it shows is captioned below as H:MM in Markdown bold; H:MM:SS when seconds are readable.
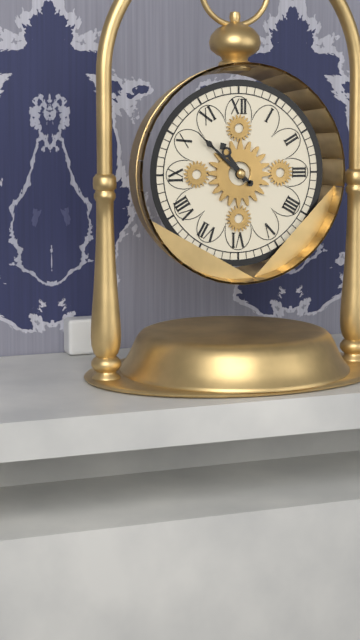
**10:52**
